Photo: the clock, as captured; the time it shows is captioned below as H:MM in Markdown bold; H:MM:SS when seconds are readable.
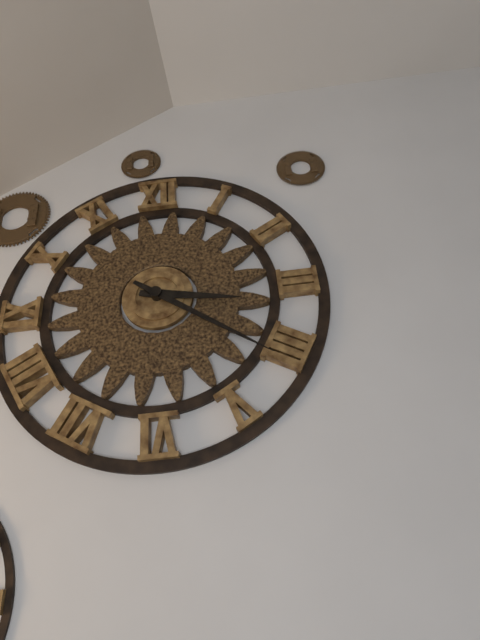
**3:21**
